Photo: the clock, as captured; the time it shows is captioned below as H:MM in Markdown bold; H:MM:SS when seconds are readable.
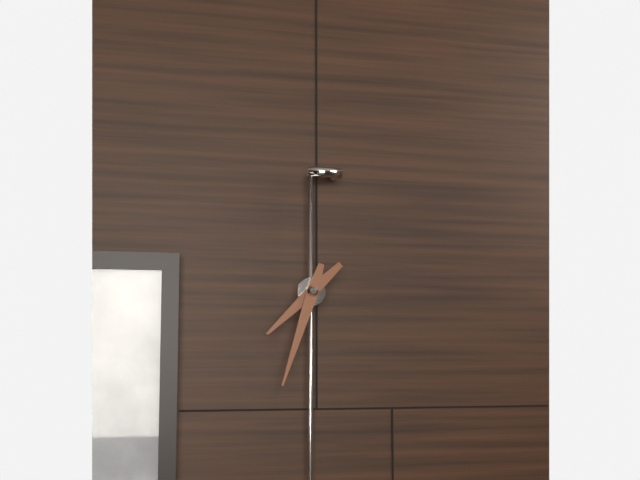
**7:33**
